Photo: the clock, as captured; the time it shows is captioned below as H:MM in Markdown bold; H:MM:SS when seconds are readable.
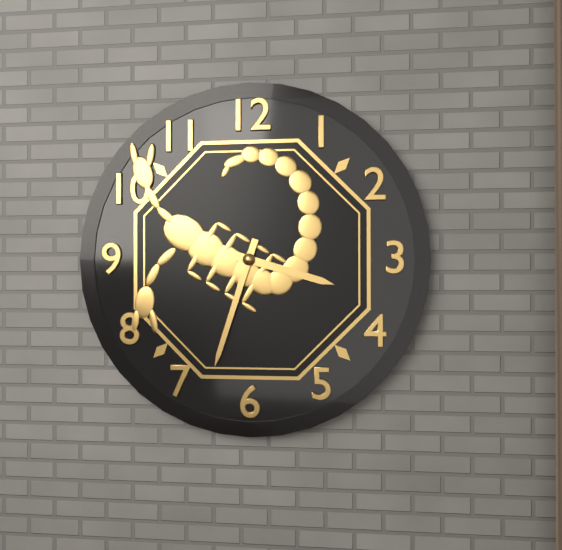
**3:33**
